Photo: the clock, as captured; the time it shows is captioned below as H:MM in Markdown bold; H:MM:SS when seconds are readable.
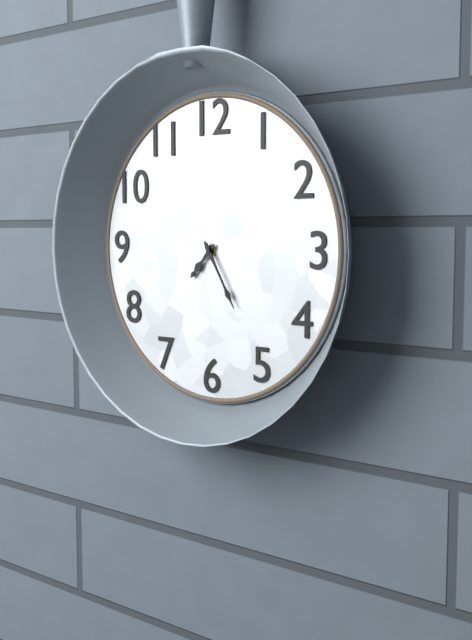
**7:25**
